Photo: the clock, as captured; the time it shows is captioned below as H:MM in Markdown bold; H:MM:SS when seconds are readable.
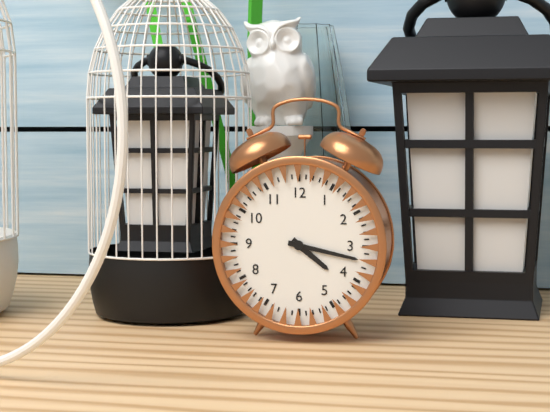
**4:17**
